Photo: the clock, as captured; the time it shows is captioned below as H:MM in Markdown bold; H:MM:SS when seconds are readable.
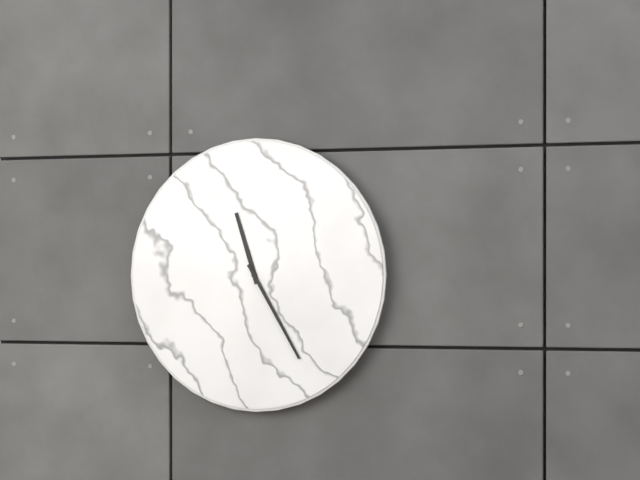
**11:25**
